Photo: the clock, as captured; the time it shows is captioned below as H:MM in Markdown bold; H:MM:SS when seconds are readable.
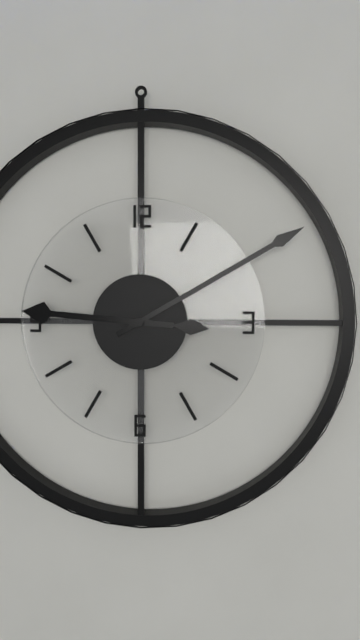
**9:10**
